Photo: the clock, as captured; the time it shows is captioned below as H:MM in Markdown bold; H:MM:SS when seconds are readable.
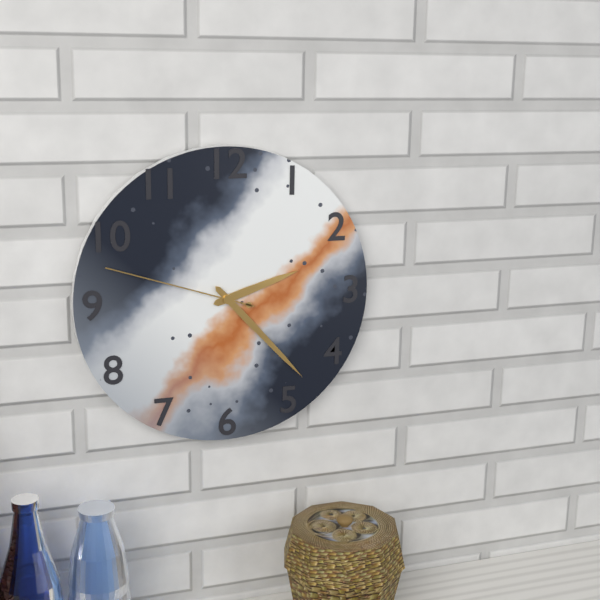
**2:23:48**
